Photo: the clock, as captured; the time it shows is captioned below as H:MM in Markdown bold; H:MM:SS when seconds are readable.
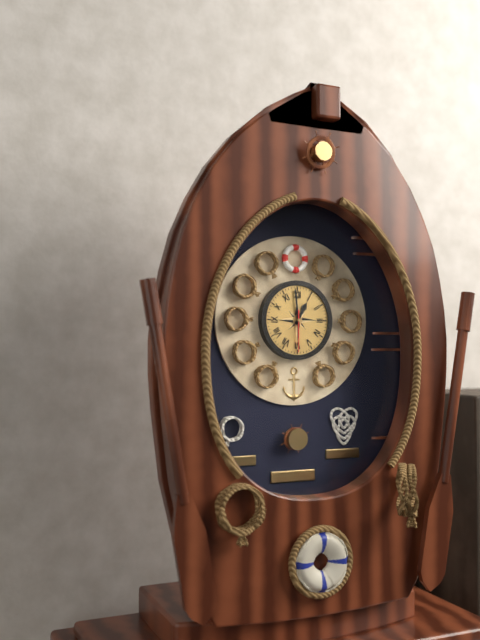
**12:59**
